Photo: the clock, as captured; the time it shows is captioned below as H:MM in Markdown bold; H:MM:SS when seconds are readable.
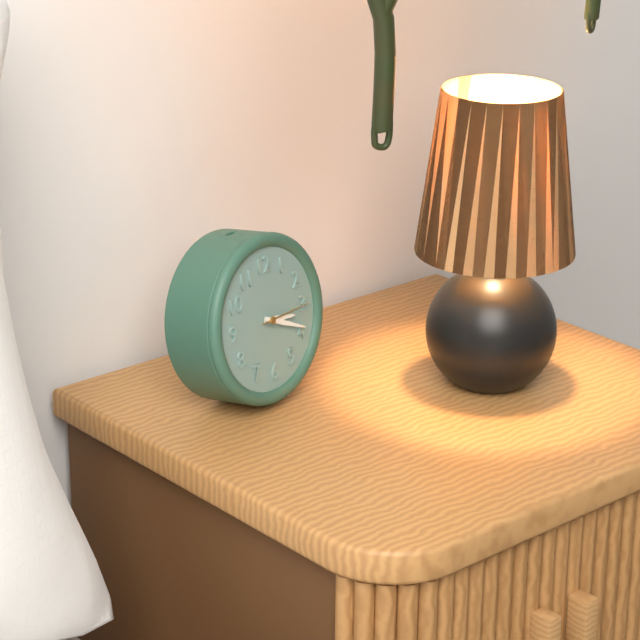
**3:19:15**
